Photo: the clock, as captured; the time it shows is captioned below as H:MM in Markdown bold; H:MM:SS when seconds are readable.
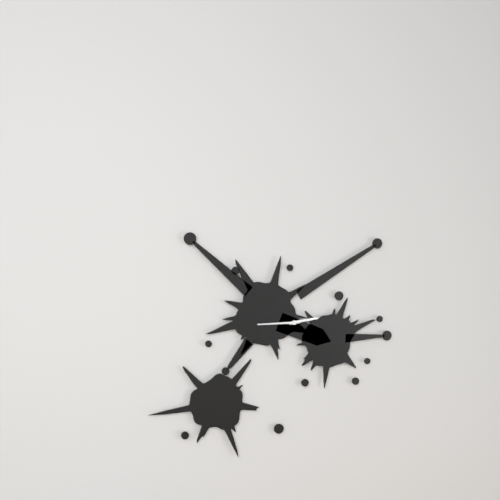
**2:45**
